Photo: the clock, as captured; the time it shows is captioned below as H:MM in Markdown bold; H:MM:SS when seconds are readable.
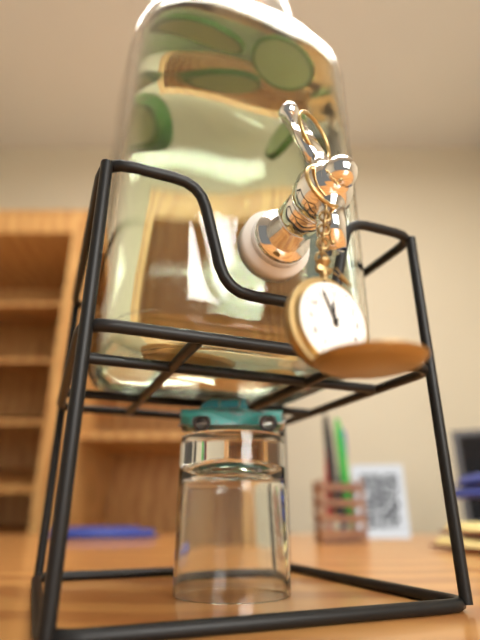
**11:56**
